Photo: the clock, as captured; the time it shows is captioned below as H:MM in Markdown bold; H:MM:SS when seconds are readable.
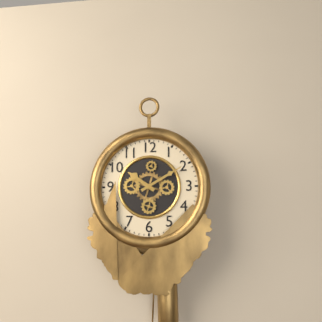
**10:10**
